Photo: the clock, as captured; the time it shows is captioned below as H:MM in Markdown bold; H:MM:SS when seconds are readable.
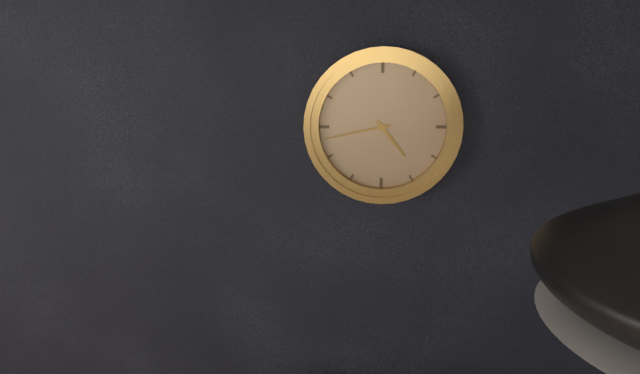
**4:43**
